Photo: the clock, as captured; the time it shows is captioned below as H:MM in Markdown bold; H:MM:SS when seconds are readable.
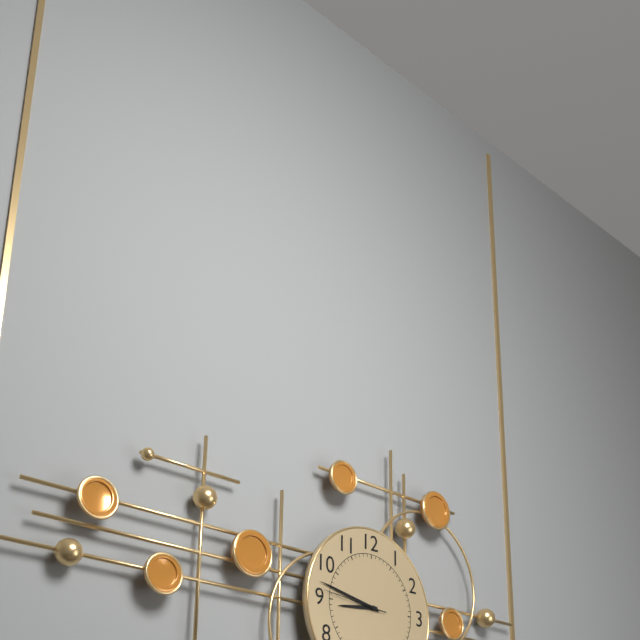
**8:47:46**
